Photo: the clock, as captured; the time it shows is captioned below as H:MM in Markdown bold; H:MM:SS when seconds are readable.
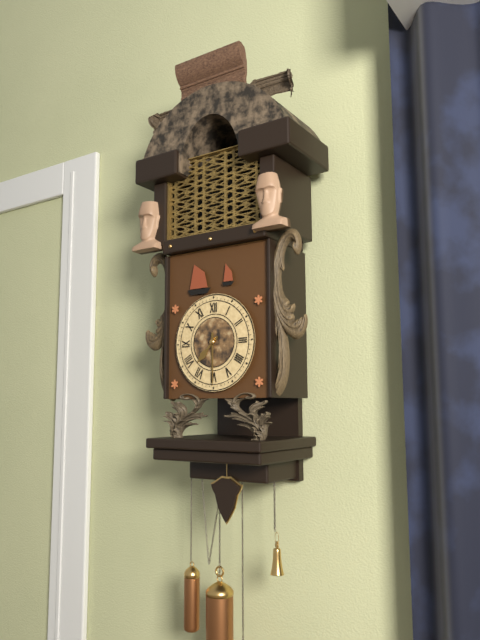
**7:30**
